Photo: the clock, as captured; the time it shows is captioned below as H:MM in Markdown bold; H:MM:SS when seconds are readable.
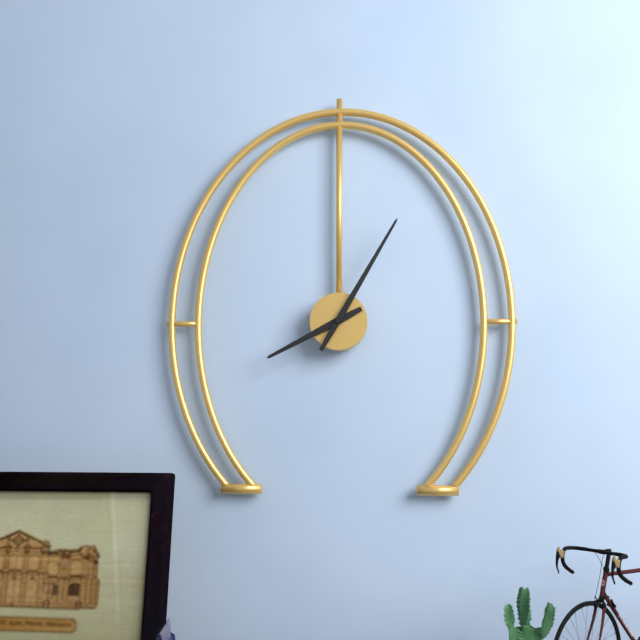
**8:05**
